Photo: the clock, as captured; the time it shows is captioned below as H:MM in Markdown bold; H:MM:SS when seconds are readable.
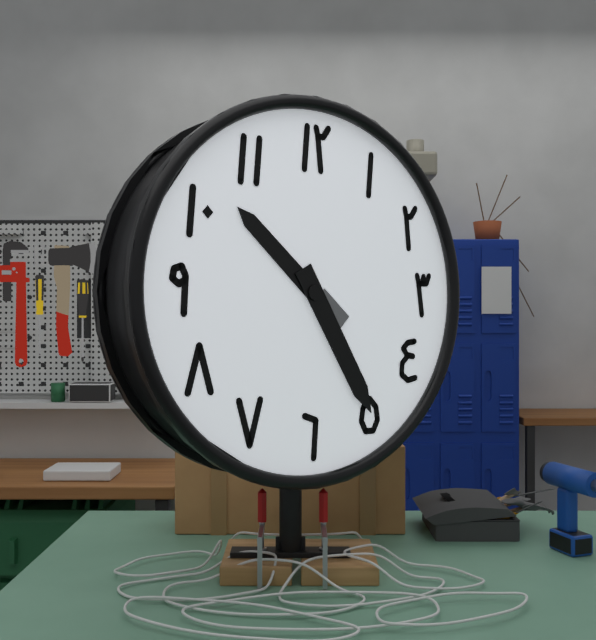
**10:25**
